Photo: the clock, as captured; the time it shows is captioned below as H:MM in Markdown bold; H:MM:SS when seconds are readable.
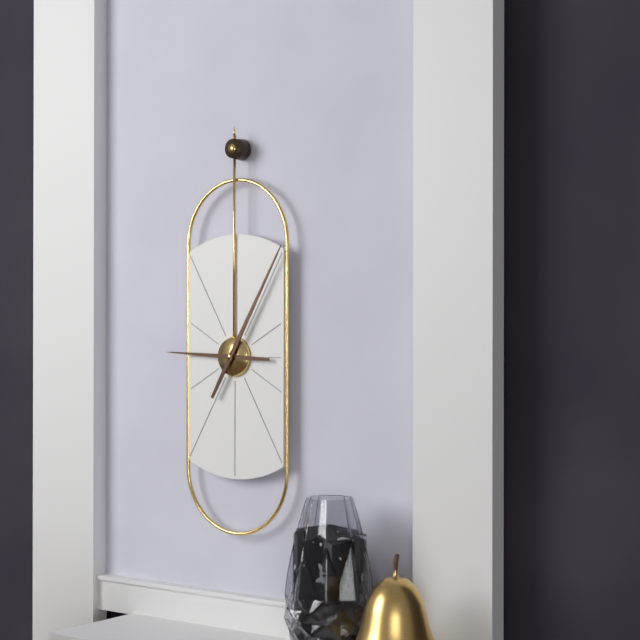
**9:05**
